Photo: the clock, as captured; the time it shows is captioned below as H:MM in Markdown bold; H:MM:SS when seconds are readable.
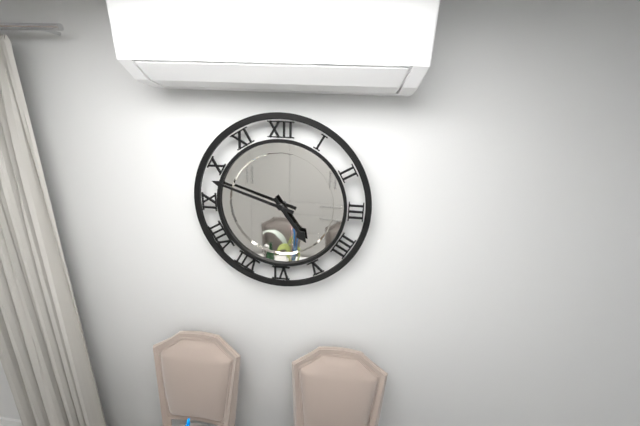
**4:48**
